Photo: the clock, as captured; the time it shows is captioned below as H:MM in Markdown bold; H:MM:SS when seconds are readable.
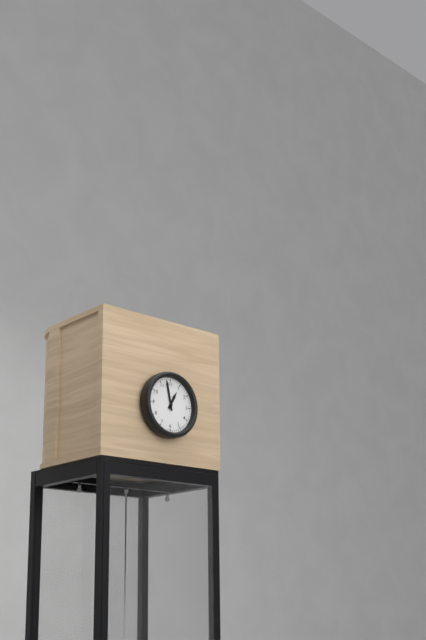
**12:58**
